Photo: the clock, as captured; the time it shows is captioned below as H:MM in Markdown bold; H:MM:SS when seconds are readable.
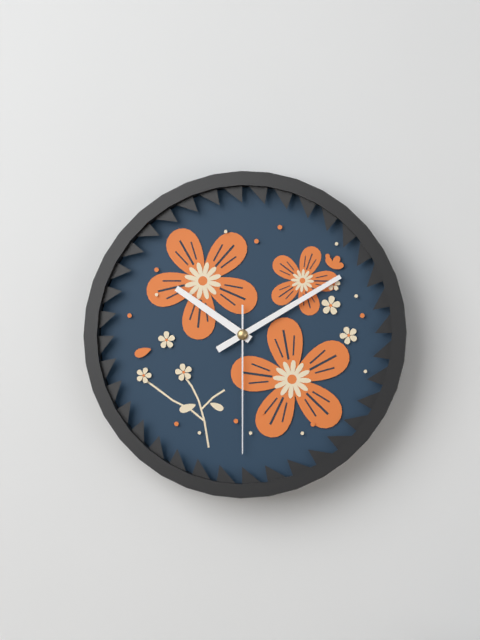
**10:10:30**
